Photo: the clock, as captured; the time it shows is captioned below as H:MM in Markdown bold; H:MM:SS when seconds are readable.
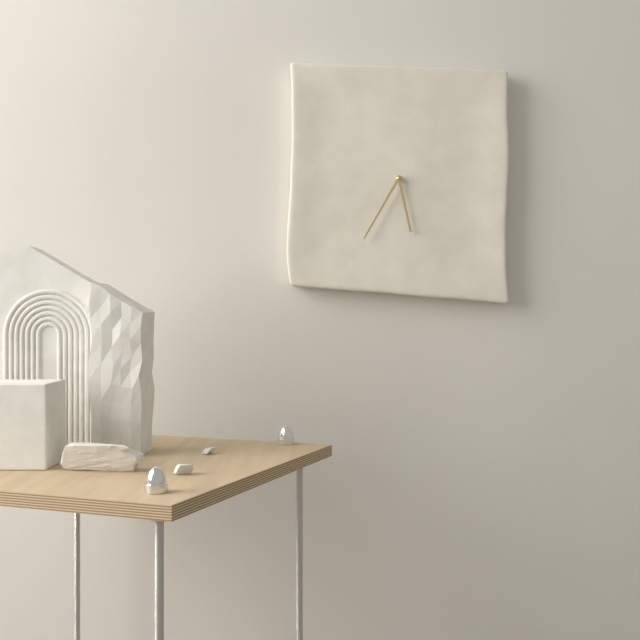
**5:35**
